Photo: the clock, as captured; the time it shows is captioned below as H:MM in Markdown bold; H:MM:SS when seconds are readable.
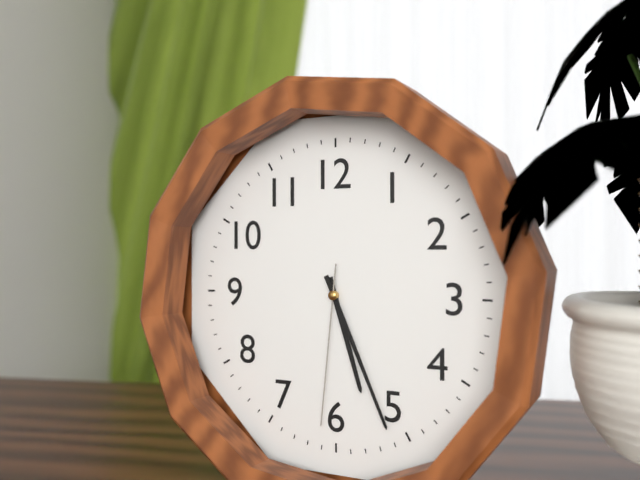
**5:26:31**
